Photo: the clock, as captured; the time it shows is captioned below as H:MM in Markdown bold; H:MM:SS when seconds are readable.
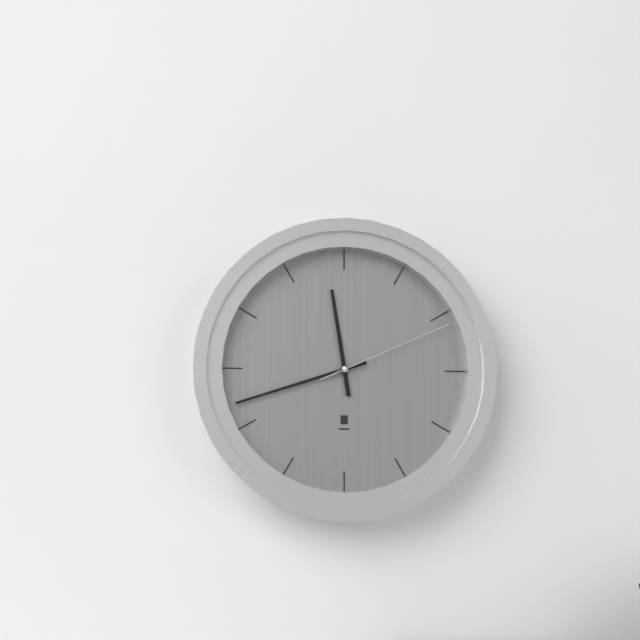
**11:42:11**
